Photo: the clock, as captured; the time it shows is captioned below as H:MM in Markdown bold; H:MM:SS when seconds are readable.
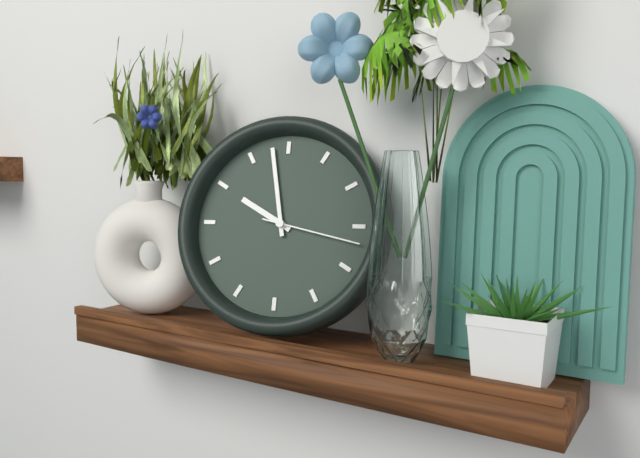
**9:58:17**
